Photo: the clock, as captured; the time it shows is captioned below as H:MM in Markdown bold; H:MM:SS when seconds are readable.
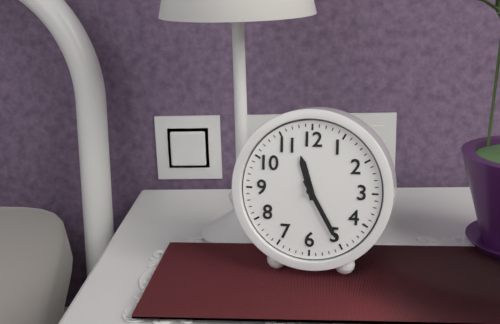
**11:25**
